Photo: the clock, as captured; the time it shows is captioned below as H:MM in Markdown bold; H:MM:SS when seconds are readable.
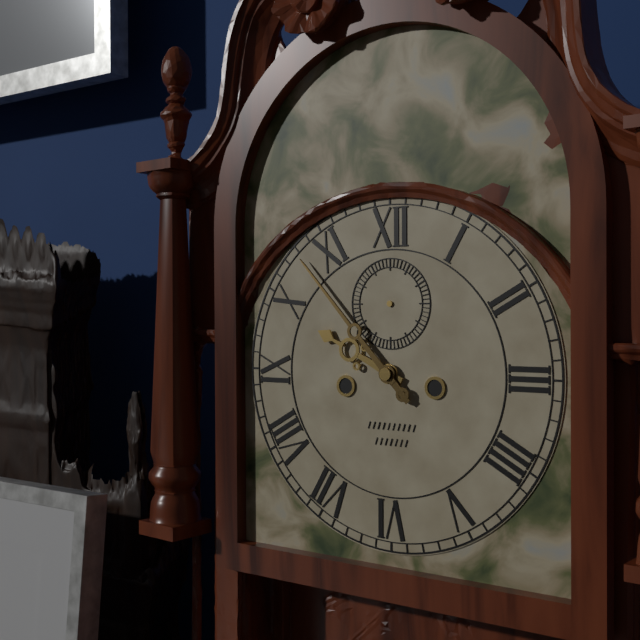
**9:53**
